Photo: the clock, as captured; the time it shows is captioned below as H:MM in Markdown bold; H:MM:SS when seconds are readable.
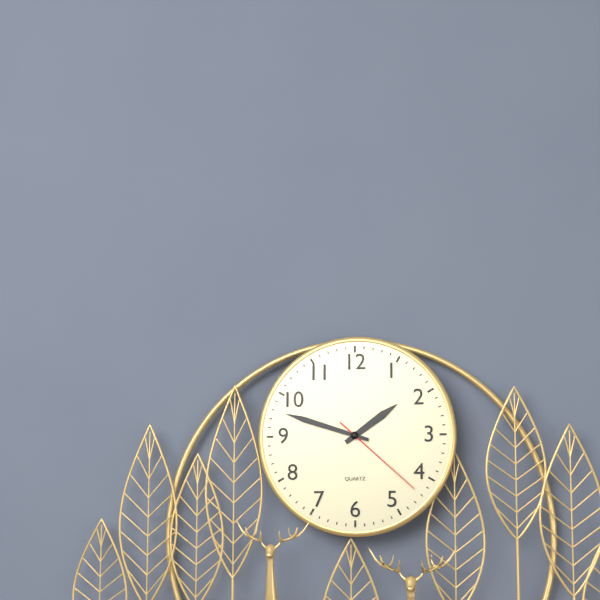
**1:48:22**
